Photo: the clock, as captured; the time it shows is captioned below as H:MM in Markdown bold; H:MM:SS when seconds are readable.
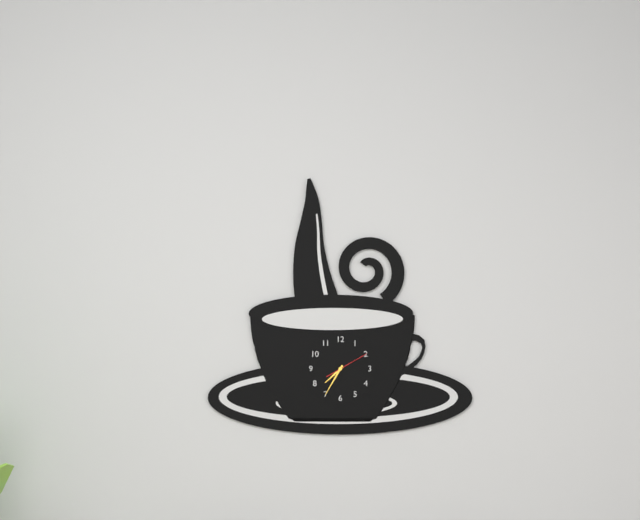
**7:35**
